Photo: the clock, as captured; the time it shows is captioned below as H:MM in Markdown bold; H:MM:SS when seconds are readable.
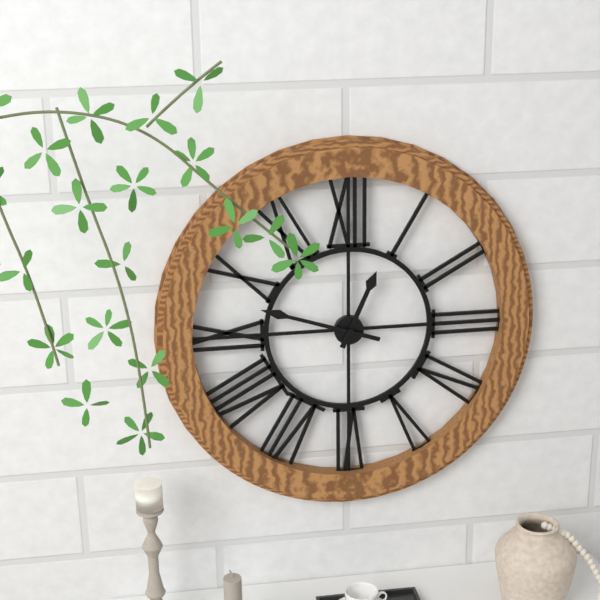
**12:48**
